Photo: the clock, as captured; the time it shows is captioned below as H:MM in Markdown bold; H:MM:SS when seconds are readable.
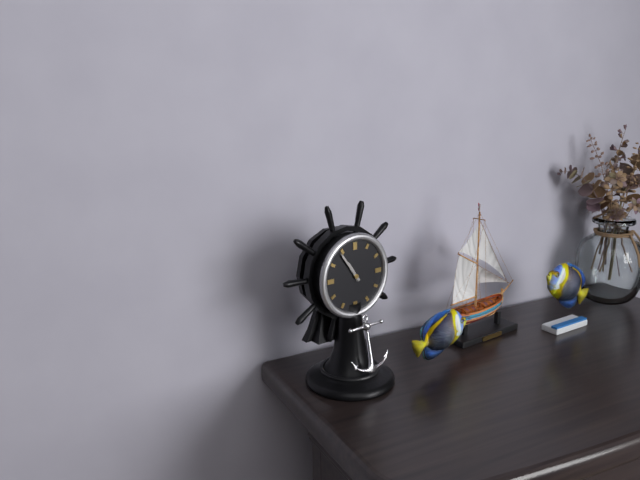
**10:54**
